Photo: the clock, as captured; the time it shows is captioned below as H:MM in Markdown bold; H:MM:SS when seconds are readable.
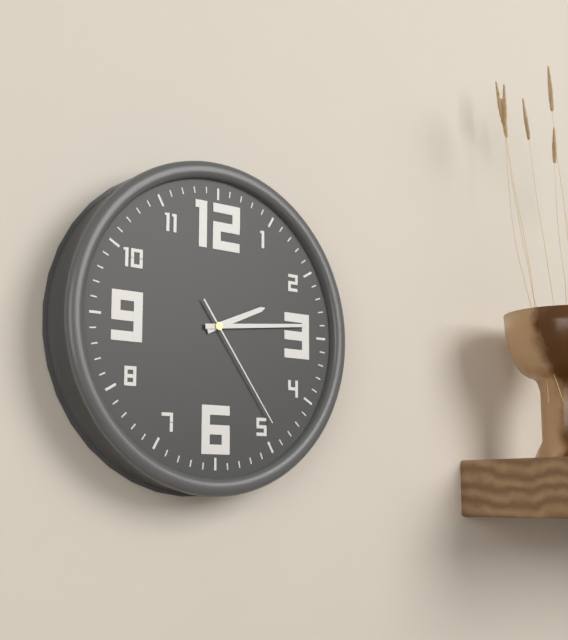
**2:14:24**
